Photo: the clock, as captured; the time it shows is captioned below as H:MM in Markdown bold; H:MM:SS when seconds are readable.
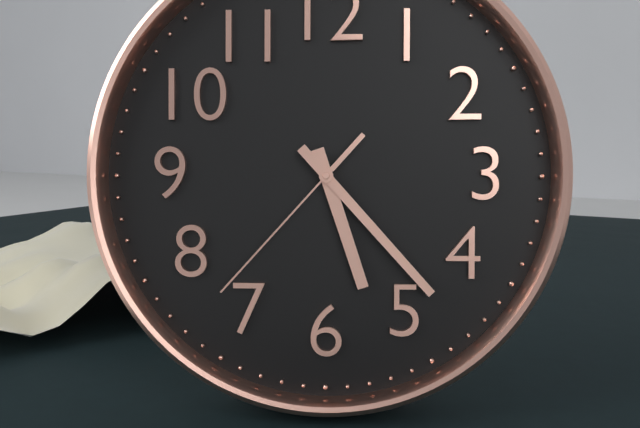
**5:23:37**
